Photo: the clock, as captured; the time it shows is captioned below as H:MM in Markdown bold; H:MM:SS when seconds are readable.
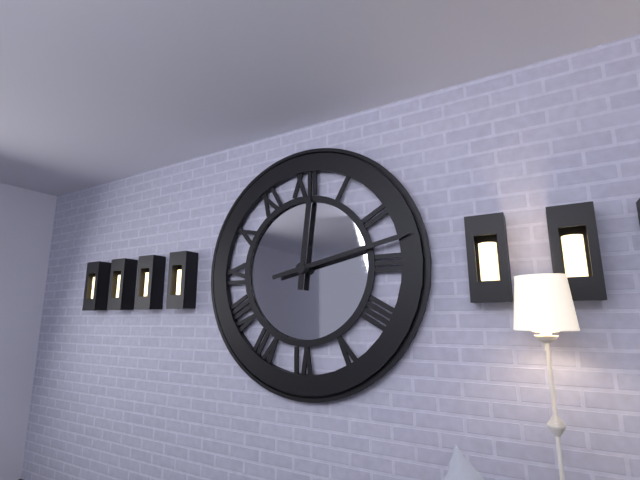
**12:13**
